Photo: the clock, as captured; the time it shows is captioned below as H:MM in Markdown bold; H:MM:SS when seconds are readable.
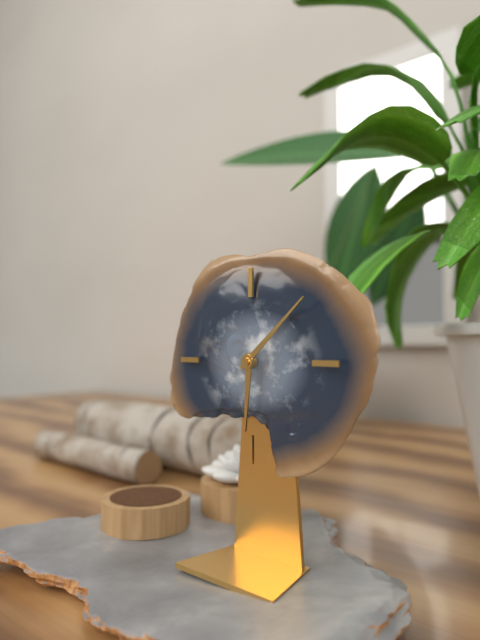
**6:08**
